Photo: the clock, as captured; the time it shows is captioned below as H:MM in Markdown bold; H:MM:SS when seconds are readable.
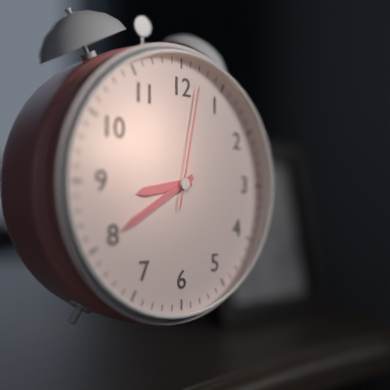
**8:40:02**
